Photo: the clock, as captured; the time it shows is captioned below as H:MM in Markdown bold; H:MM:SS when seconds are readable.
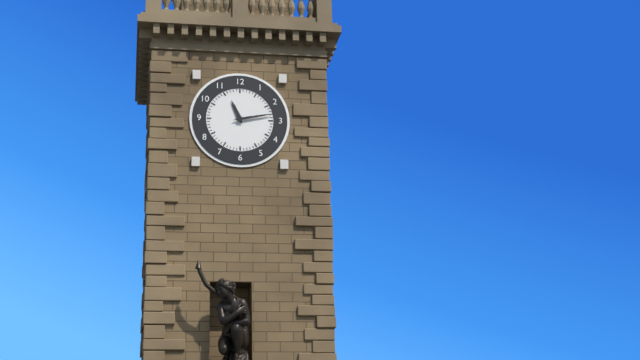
**11:13**
